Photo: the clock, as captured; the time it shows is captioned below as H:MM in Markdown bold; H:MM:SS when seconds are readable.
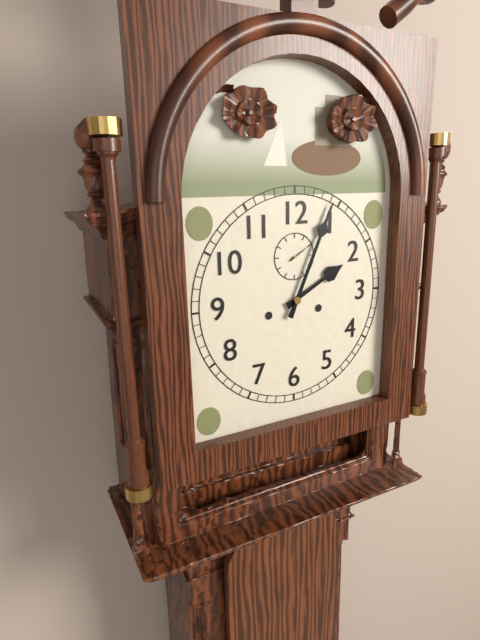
**2:04**
